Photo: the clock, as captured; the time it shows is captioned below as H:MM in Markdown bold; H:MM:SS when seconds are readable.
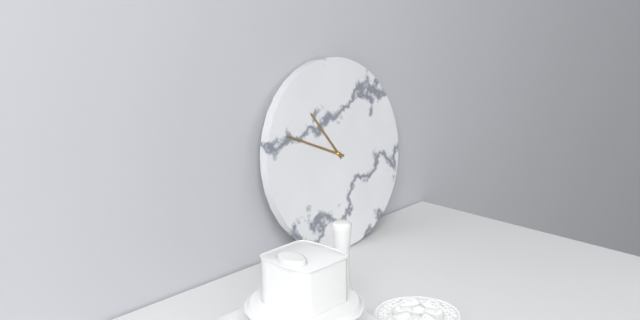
**10:49**
